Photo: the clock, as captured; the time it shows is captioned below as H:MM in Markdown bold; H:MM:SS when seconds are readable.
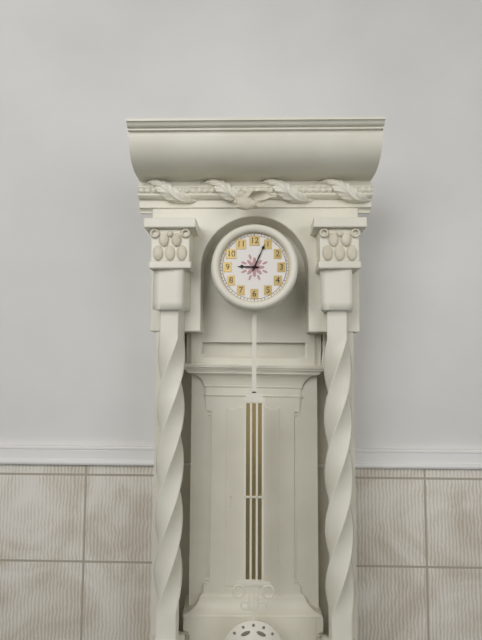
**9:04**
